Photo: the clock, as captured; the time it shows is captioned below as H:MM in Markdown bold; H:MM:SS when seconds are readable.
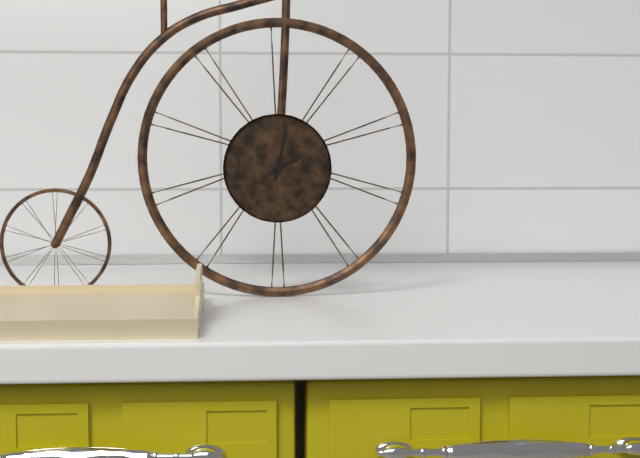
**2:02**
